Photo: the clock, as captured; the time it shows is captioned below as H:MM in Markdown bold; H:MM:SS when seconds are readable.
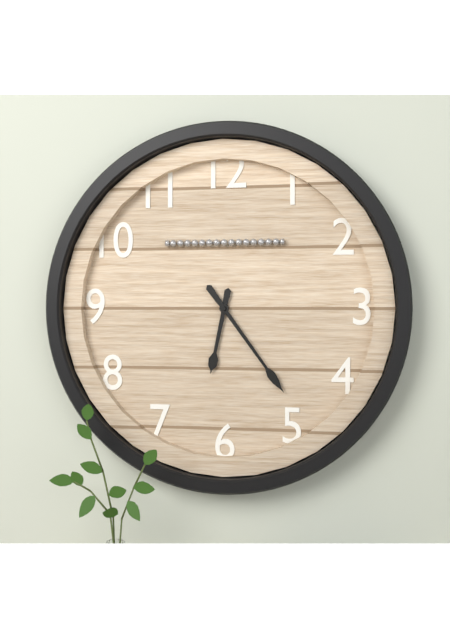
**6:24**
